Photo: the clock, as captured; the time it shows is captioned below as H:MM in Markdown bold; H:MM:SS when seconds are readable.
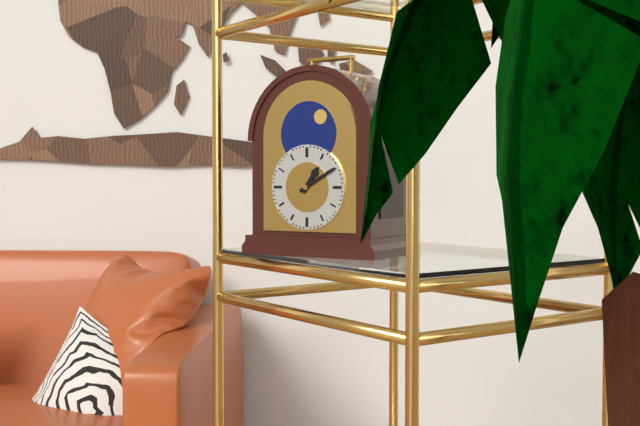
**1:10**
